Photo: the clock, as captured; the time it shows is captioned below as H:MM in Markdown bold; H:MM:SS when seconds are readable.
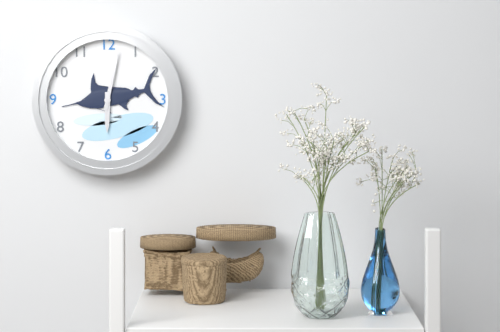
**6:02**
